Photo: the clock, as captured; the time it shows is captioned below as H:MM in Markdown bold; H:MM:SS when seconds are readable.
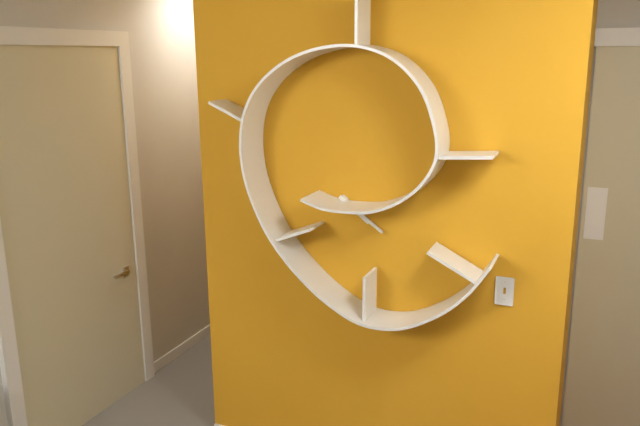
**4:21**
